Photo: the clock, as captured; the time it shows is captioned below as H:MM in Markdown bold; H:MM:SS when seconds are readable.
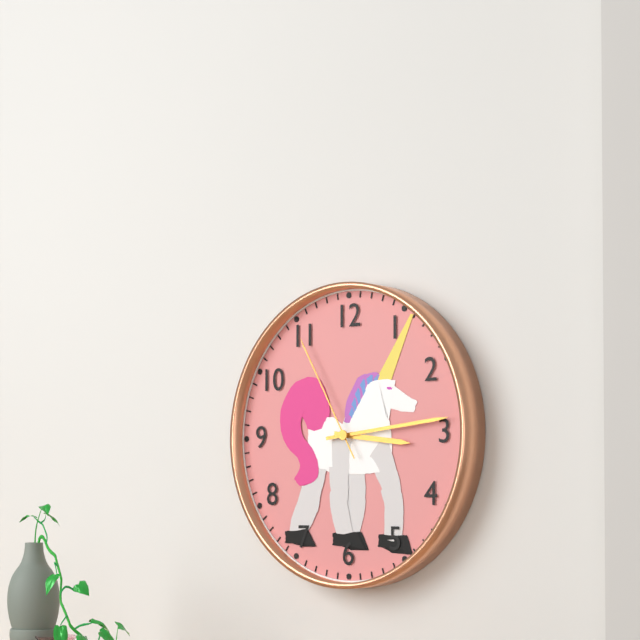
**3:14:55**
